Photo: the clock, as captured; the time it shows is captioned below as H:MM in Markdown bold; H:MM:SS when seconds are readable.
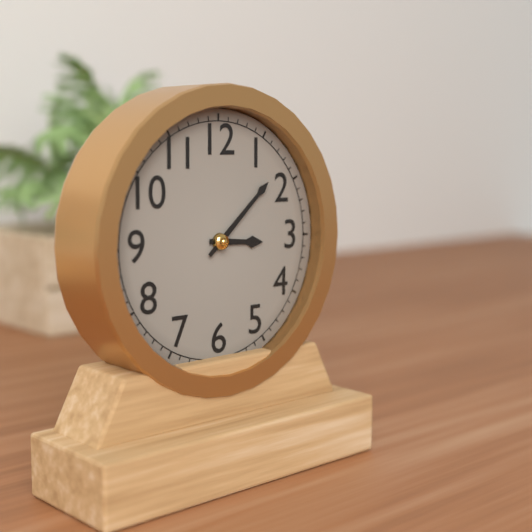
**3:08**
